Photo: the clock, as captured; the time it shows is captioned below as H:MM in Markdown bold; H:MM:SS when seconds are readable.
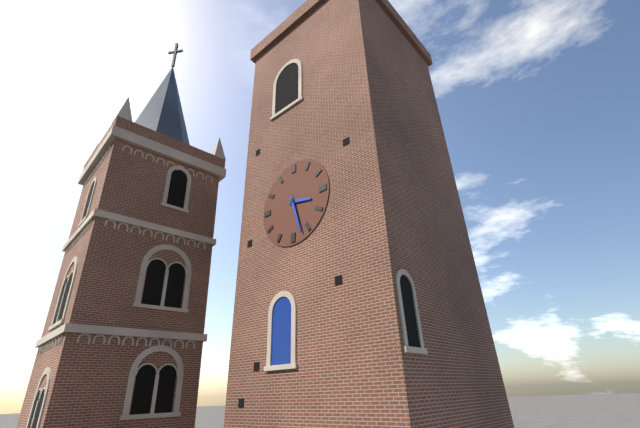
**3:27**
